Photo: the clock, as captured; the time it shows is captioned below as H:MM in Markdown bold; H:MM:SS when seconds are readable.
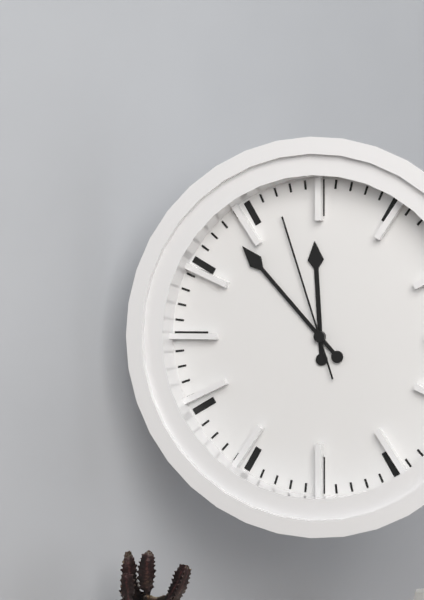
**11:53:57**
